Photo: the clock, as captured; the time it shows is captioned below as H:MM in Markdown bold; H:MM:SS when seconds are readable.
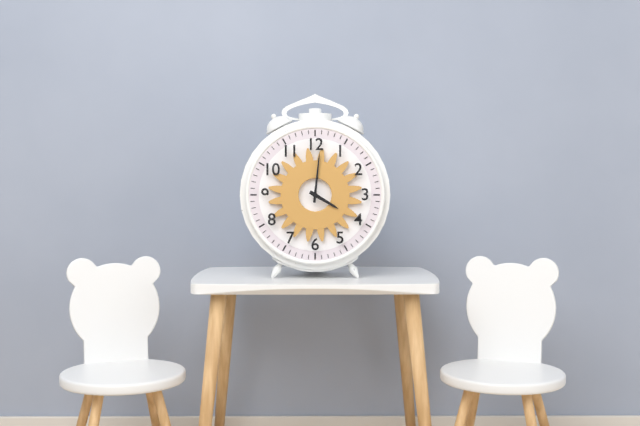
**4:01**
